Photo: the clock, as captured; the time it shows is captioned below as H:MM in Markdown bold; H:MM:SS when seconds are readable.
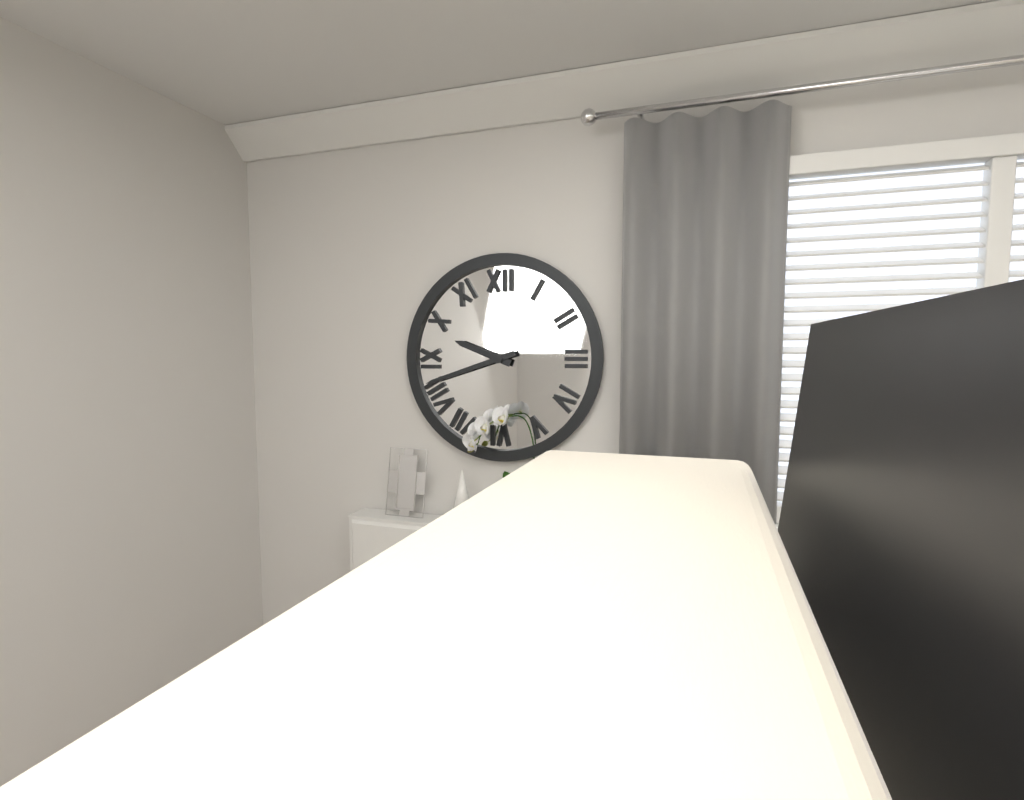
**9:42**
